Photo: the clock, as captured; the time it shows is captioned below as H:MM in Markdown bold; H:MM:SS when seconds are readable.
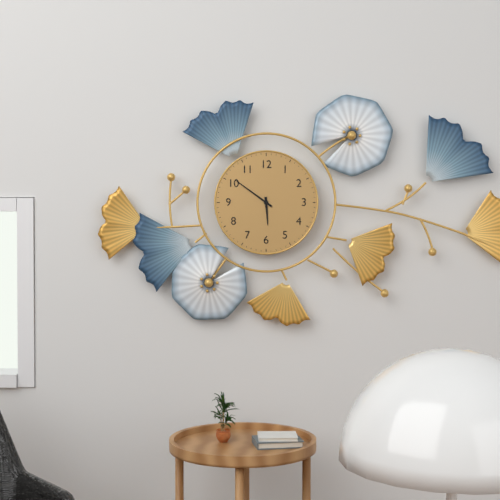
**5:51**
